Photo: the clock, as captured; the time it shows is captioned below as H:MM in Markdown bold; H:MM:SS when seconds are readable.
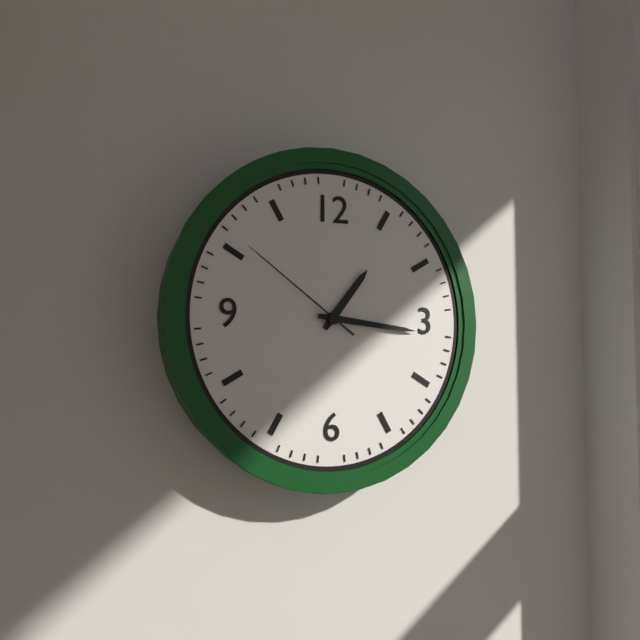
**1:16:51**
